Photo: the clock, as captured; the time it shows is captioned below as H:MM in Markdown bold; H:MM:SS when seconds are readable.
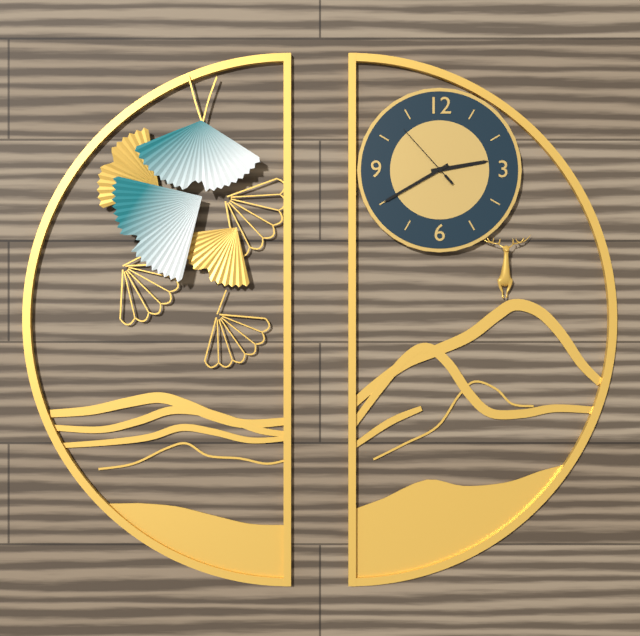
**2:40:53**
